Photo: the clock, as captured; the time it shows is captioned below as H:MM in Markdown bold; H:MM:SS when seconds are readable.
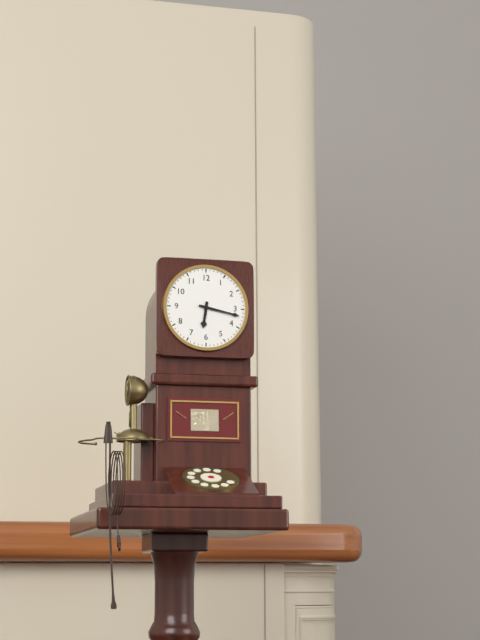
**6:17**
